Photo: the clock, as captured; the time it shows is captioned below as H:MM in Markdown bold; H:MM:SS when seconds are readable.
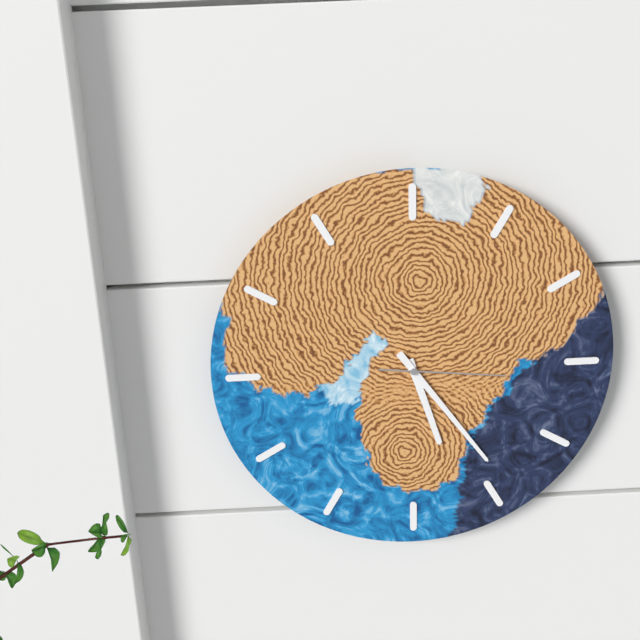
**5:24:16**
